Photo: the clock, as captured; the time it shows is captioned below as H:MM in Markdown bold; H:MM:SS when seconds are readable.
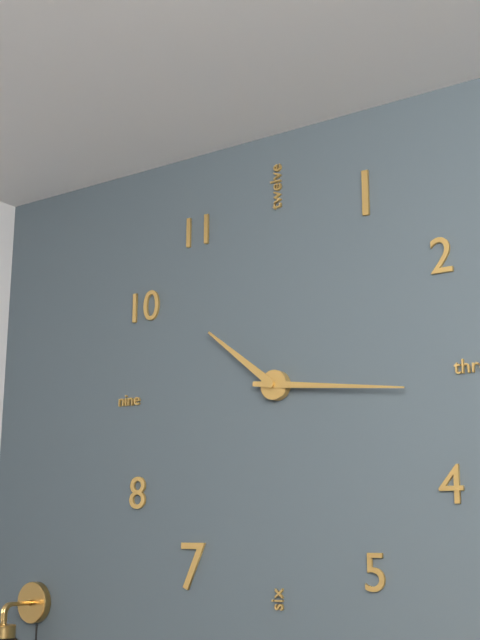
**10:16**
